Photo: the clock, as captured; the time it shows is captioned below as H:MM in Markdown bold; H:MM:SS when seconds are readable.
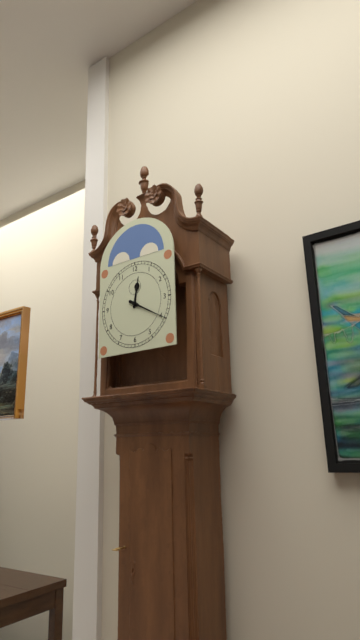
**12:20**
